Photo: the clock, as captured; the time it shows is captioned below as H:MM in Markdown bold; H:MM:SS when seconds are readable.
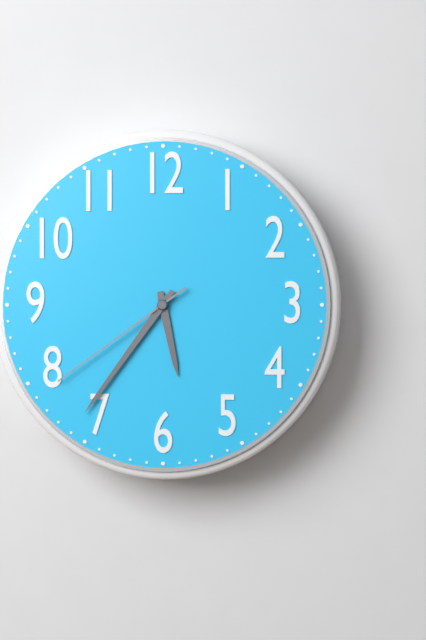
**5:36:39**
